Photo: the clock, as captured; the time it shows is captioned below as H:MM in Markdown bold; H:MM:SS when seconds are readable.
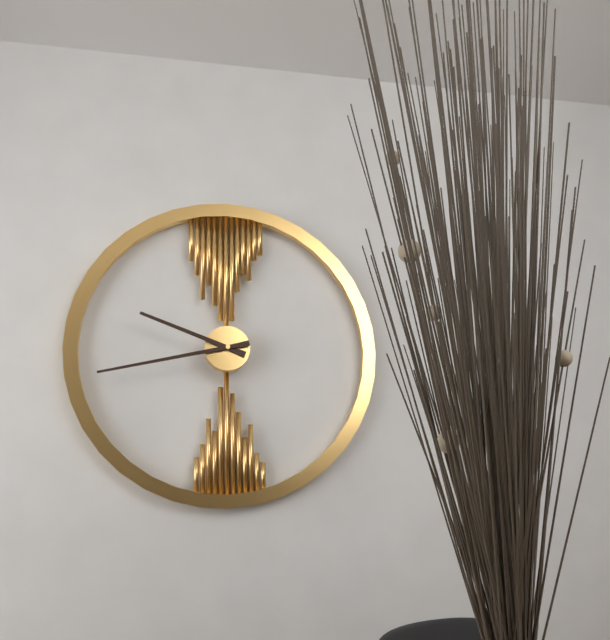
**9:43**
